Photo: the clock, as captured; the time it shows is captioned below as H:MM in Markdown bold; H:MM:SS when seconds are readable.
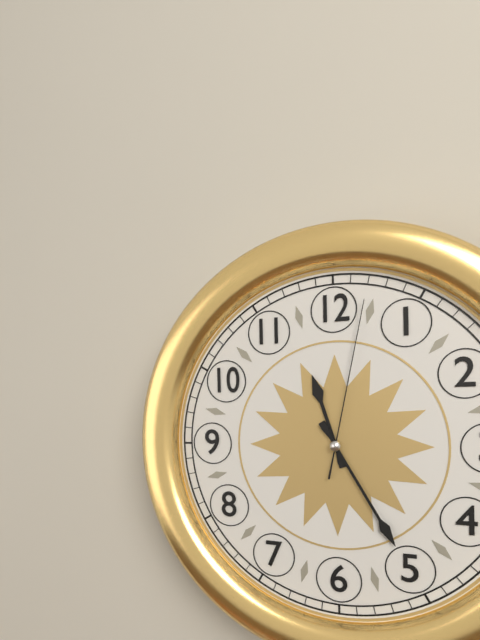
**11:25:02**
